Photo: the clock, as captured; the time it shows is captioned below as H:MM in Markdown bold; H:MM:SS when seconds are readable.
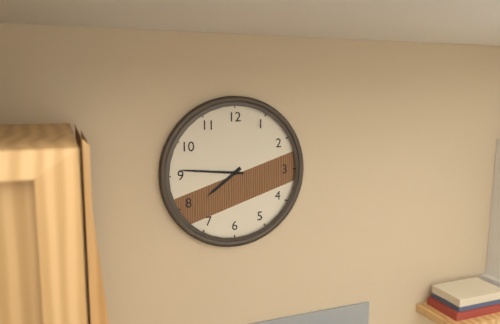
**7:46**
